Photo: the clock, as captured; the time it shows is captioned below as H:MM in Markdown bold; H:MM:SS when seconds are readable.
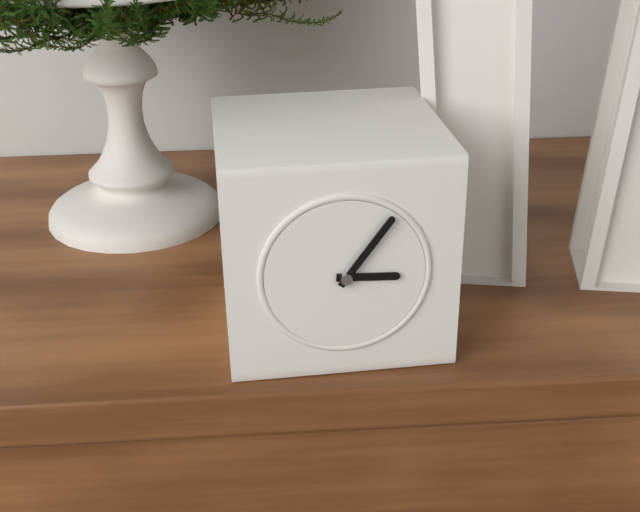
**3:06**
